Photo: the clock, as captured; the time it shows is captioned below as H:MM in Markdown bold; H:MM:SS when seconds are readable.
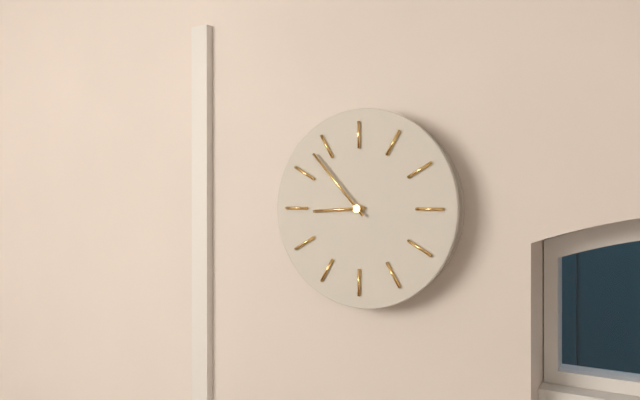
**8:53**
